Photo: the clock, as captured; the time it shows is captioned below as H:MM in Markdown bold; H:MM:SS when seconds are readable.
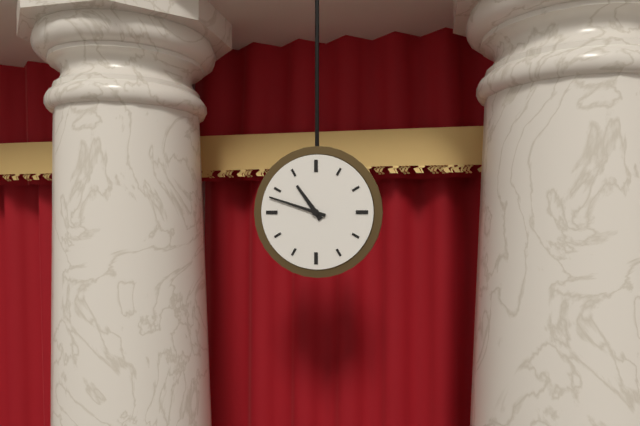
**10:48**
